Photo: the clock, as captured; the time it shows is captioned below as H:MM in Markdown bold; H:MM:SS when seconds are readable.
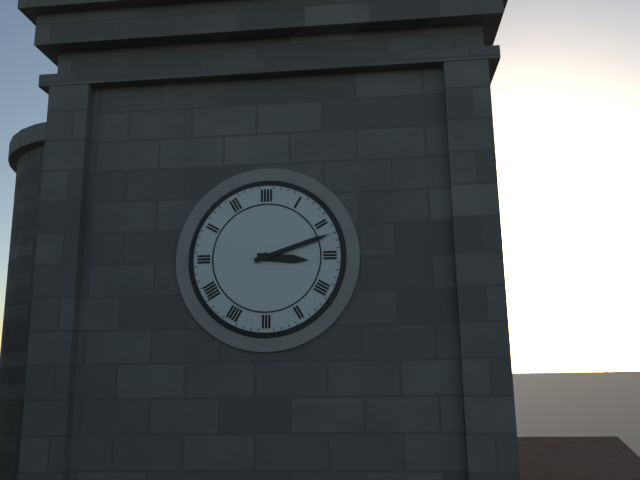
**3:12**
